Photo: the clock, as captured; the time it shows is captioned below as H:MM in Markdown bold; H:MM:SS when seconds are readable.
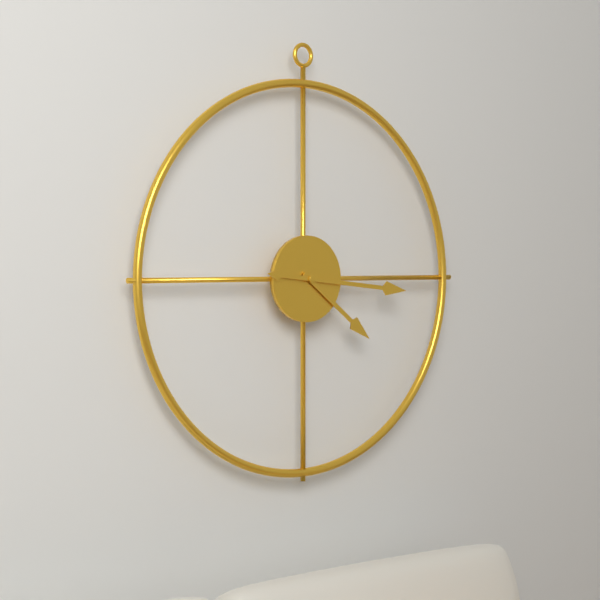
**4:16**
